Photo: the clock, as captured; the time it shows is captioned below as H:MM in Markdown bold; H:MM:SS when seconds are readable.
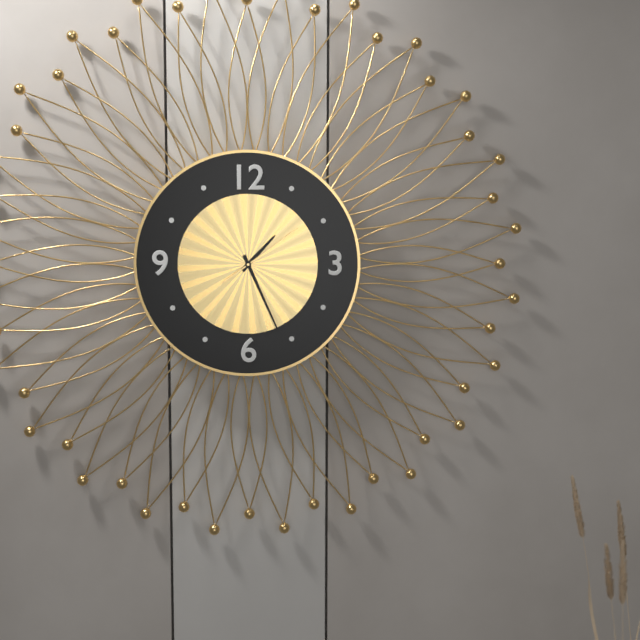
**1:26:09**
